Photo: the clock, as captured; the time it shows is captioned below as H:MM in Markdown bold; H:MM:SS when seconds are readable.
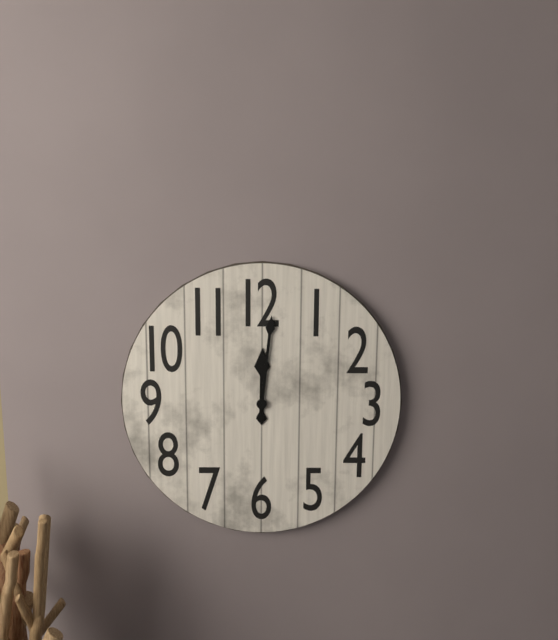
**12:01**
